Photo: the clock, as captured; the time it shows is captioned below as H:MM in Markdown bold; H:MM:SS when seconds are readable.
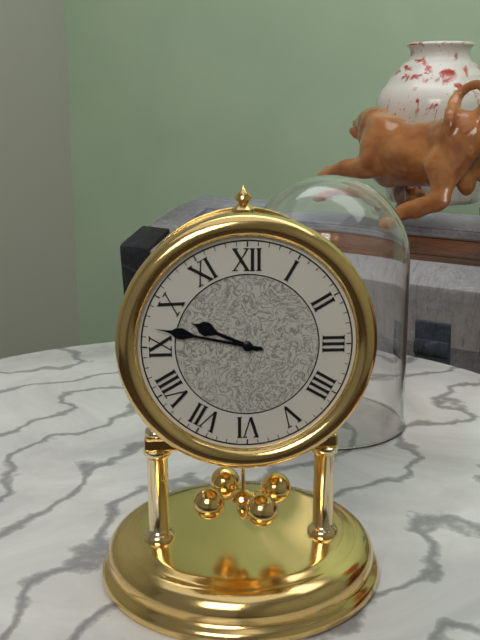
**9:47**
